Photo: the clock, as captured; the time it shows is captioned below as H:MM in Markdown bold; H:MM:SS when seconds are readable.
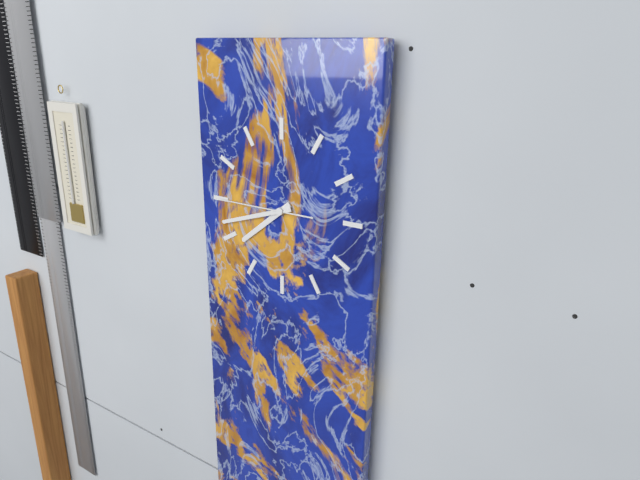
**7:42:45**
